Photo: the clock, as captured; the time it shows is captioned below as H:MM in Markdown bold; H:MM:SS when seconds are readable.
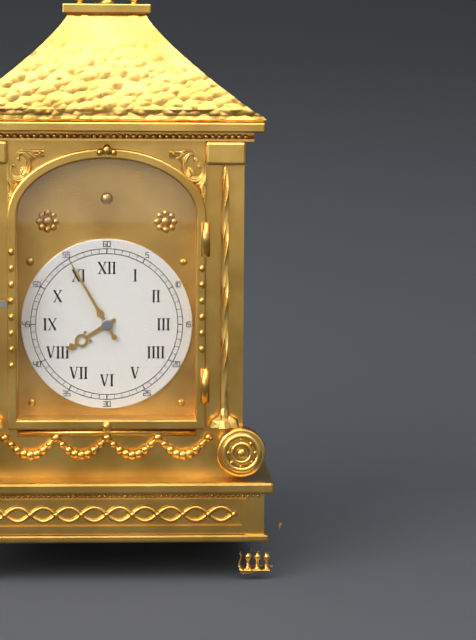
**7:55**
